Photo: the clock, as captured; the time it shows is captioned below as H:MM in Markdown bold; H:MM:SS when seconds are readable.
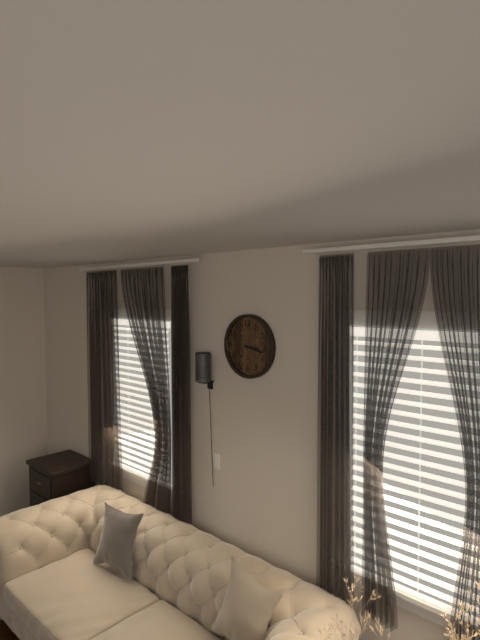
**3:17**
